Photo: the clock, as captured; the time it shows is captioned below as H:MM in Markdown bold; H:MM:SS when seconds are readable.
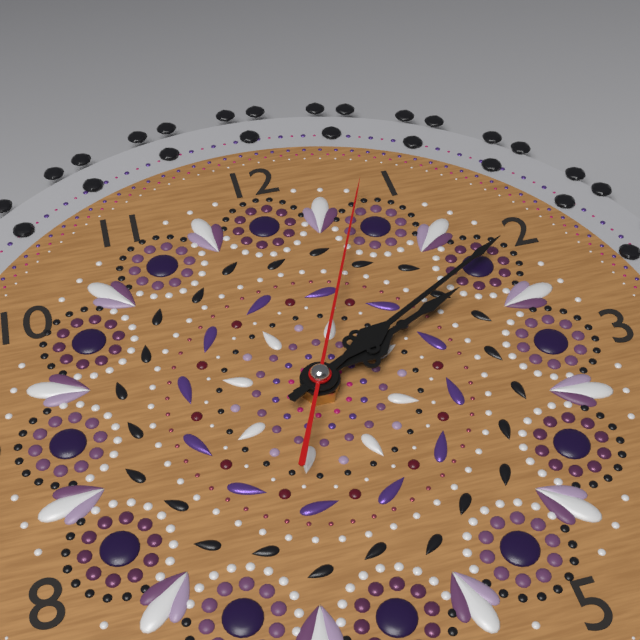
**2:10:04**
